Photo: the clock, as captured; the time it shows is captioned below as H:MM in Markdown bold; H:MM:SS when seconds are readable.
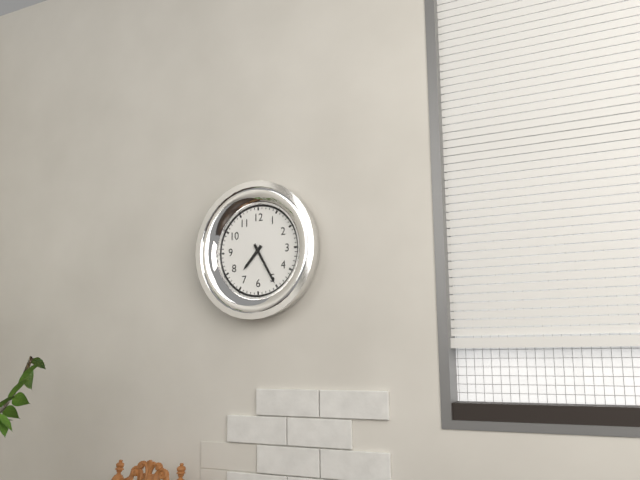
**7:25**
